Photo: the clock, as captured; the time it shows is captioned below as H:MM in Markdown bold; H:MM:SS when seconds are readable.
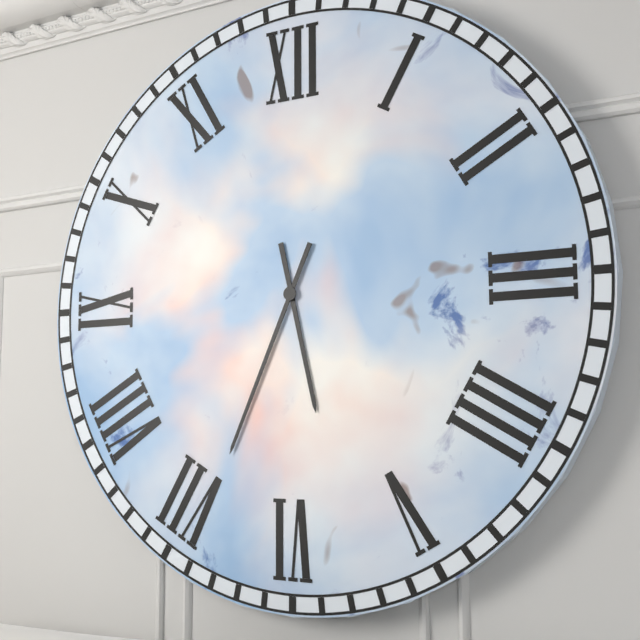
**5:34**
